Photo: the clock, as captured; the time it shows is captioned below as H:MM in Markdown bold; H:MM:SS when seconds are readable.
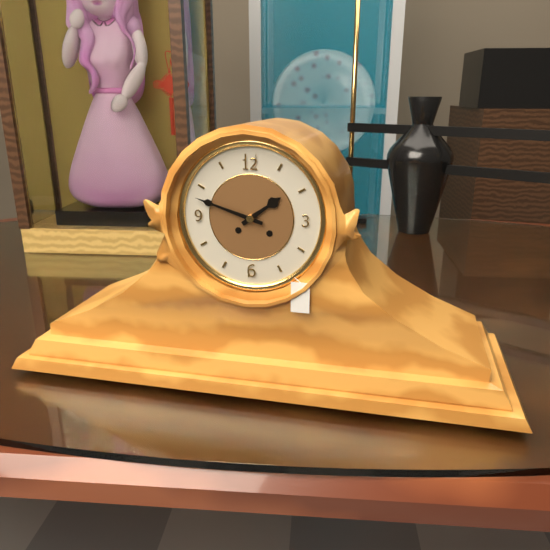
**1:48**
